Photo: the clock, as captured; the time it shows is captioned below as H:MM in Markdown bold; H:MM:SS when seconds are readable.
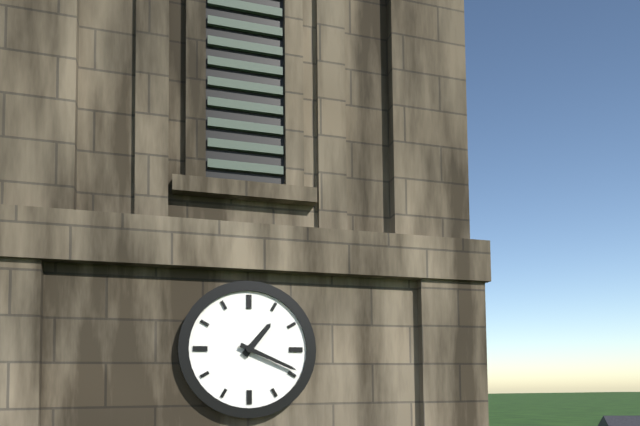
**1:19**
